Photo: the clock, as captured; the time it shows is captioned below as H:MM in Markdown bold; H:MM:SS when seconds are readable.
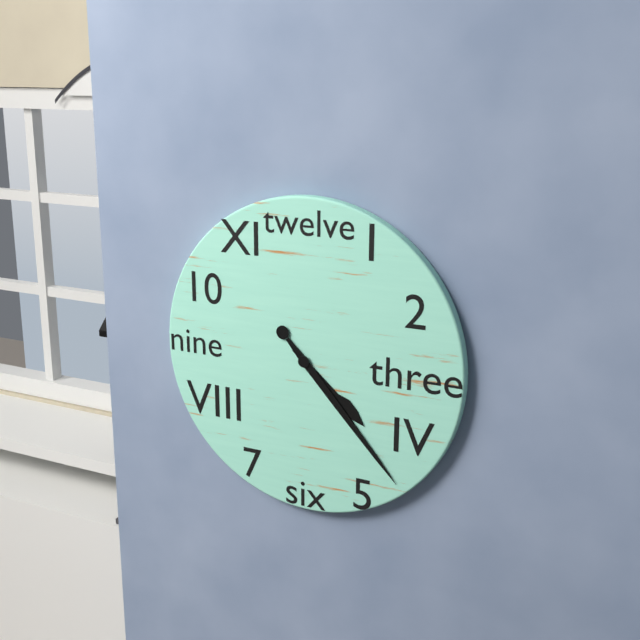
**4:23**
